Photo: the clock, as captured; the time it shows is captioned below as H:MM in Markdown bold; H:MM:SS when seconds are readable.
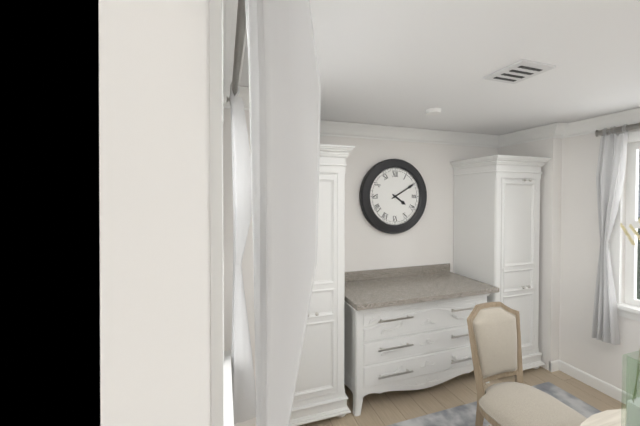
**4:10**
